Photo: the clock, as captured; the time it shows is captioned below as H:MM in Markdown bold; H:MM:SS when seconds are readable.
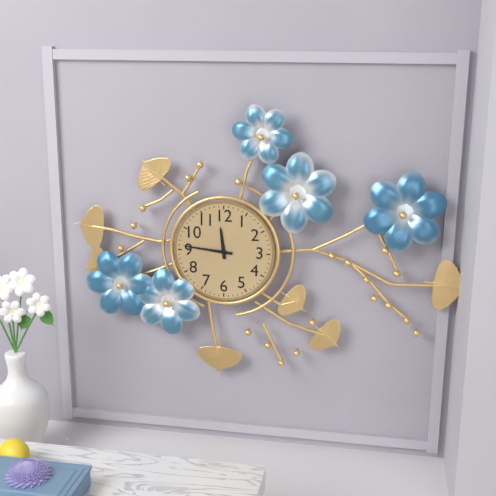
**11:46**
